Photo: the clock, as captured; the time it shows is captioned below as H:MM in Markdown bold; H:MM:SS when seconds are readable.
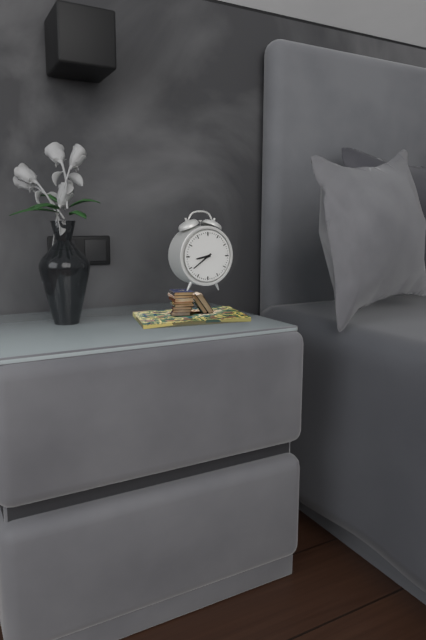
**8:39**
